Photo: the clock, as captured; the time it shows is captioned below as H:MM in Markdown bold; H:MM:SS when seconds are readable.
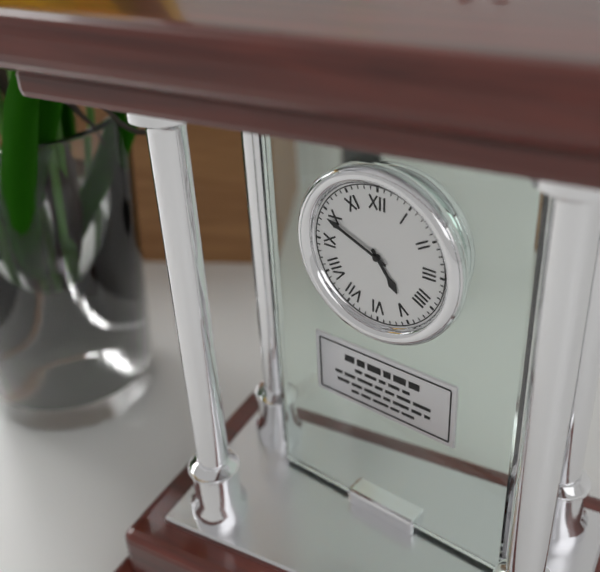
**4:49**
